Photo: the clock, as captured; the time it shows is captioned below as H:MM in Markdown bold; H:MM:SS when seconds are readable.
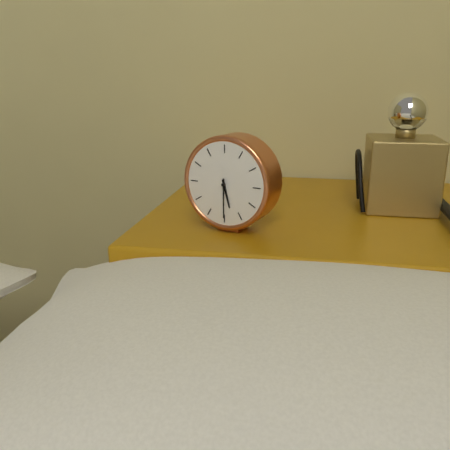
**5:30**
